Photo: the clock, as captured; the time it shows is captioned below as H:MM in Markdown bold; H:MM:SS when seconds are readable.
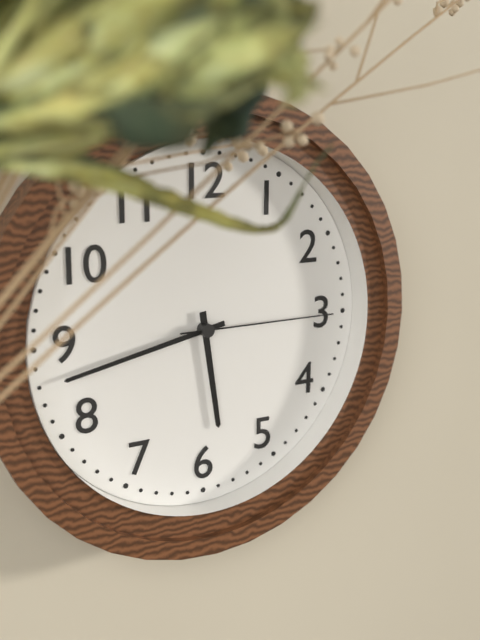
**5:43:15**
